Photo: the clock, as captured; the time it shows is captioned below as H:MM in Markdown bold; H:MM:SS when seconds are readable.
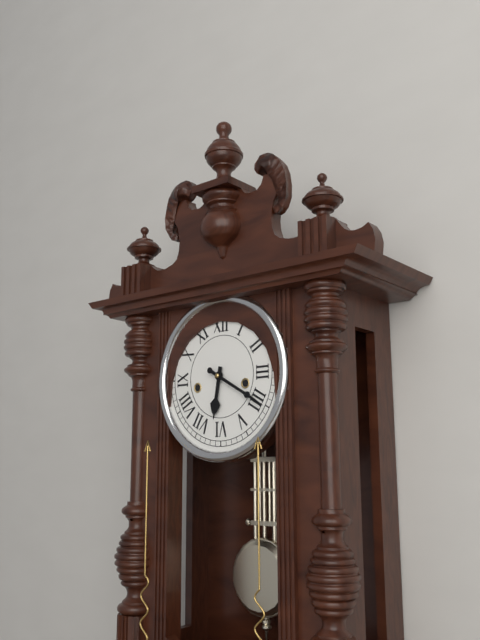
**6:20**
